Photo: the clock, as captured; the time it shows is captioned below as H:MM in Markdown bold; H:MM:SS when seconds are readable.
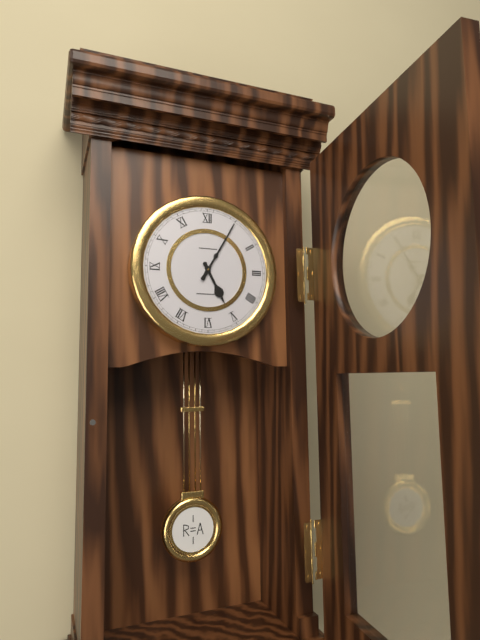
**5:05**
